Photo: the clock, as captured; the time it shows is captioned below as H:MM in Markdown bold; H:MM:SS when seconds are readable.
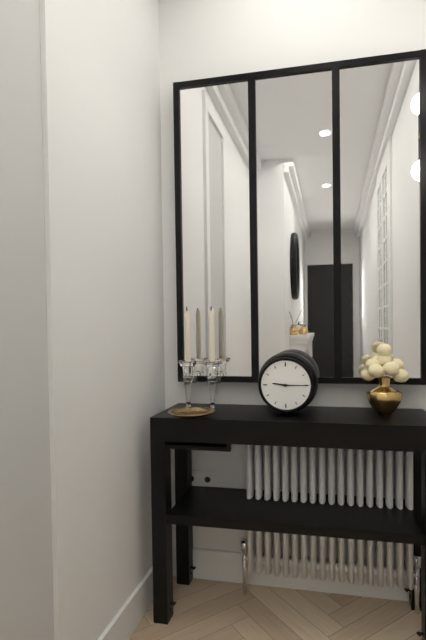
**9:15**
